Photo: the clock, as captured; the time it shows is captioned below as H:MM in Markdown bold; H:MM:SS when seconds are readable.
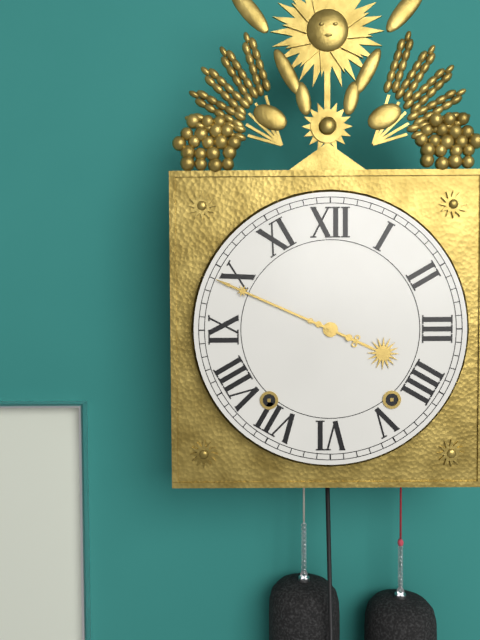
**3:49**
